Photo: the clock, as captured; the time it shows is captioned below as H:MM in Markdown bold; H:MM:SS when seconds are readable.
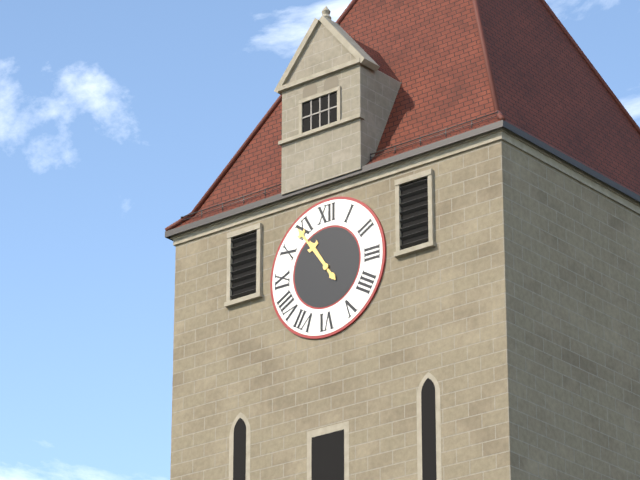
**10:54**
